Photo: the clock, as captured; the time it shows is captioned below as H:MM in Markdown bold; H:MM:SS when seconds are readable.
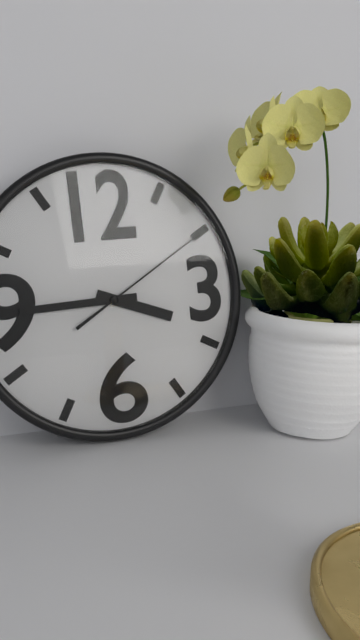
**3:45:10**
